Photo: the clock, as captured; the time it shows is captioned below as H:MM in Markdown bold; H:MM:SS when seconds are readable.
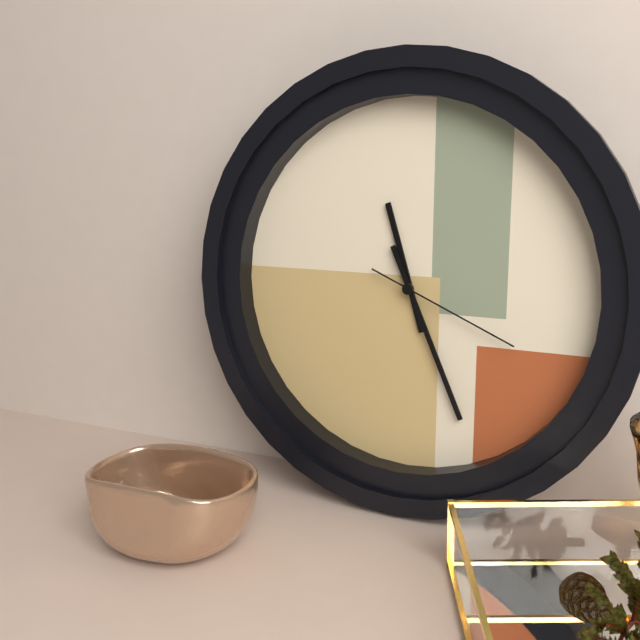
**11:26:19**
